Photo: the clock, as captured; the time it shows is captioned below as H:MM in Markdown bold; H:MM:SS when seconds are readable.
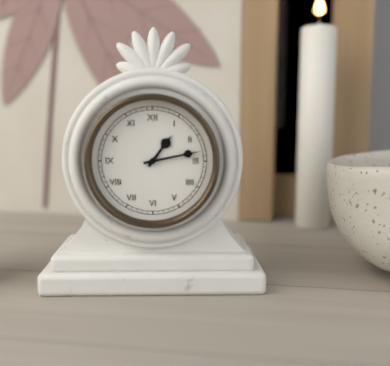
**1:13**
